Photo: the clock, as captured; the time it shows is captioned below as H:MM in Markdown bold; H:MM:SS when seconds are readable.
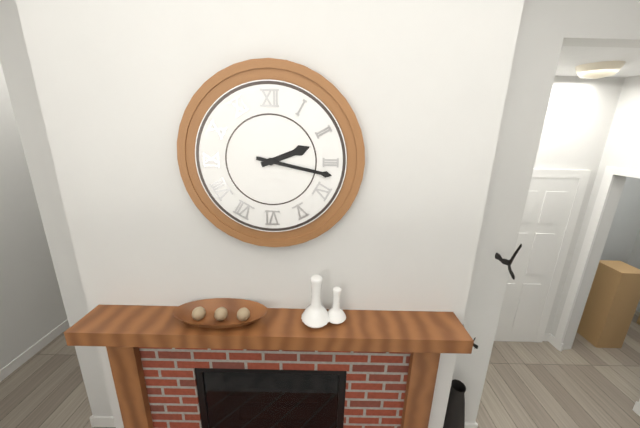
**2:17**
